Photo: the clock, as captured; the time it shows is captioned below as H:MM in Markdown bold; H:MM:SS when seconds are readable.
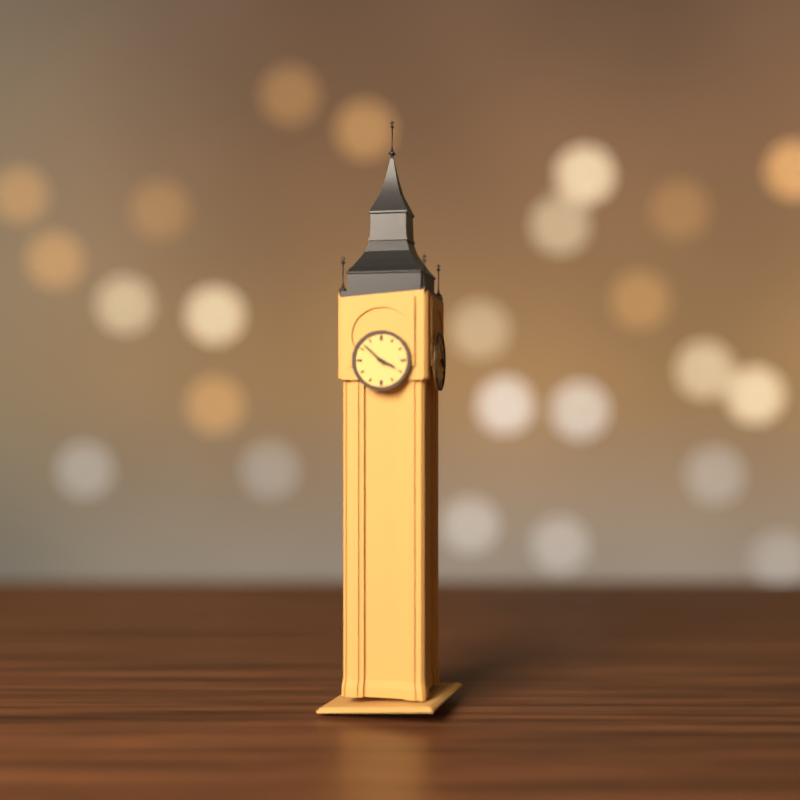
**3:52**
